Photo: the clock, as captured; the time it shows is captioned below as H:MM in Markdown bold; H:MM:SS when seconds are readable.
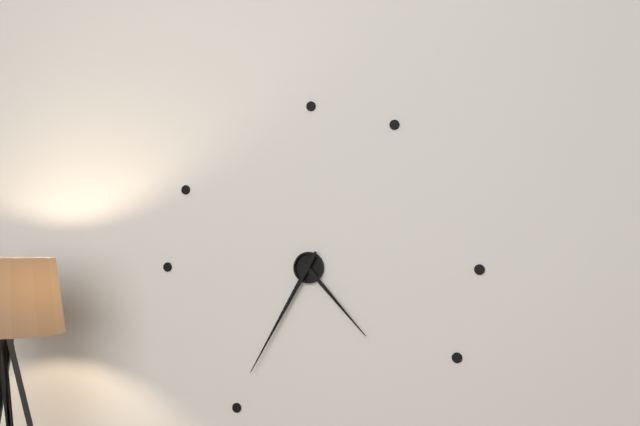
**4:35**
